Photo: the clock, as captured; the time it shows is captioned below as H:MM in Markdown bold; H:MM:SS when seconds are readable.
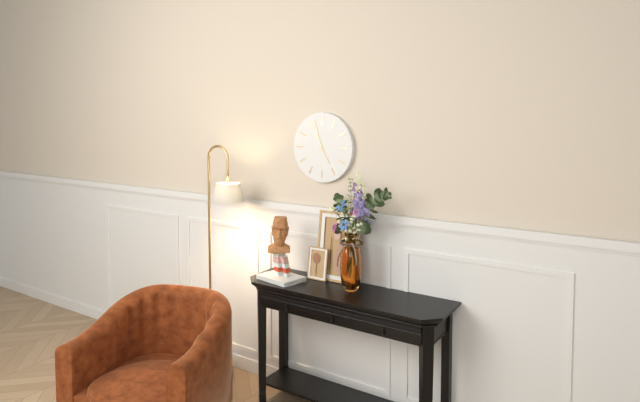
**4:57**
